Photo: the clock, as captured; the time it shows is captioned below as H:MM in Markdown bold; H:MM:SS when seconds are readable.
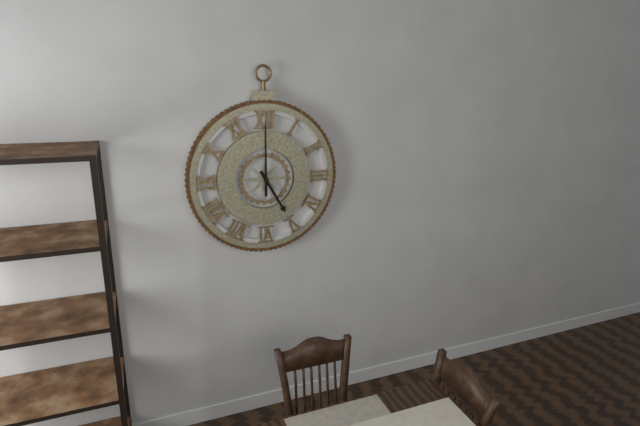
**5:00**
